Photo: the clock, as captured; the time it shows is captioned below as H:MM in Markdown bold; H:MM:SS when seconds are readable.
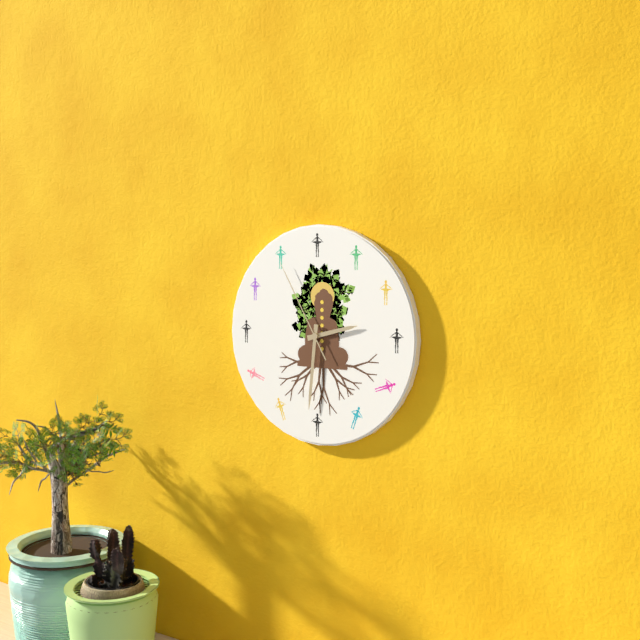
**2:31:55**
